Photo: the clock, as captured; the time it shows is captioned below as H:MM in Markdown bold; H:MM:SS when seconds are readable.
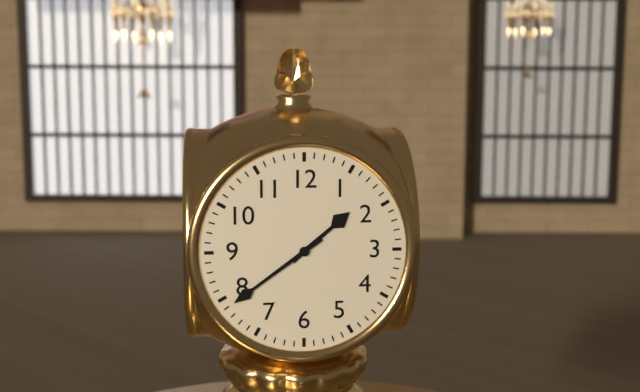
**1:39**
